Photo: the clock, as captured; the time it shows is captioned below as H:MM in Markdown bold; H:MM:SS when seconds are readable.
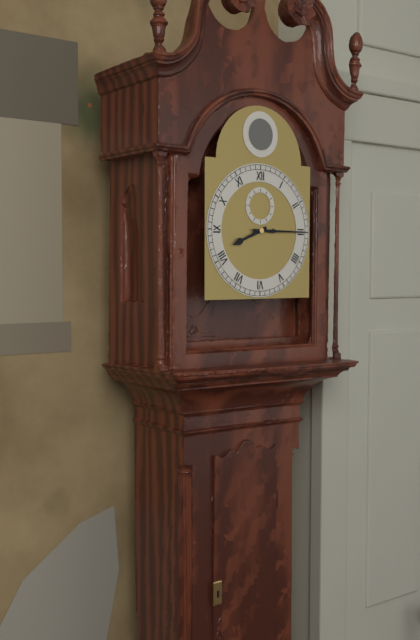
**8:15**
